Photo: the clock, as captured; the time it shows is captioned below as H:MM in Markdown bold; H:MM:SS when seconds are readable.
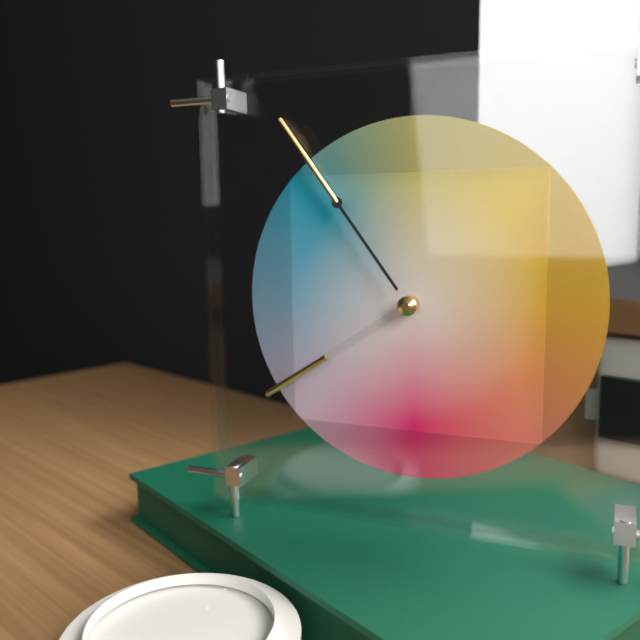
**7:54**
